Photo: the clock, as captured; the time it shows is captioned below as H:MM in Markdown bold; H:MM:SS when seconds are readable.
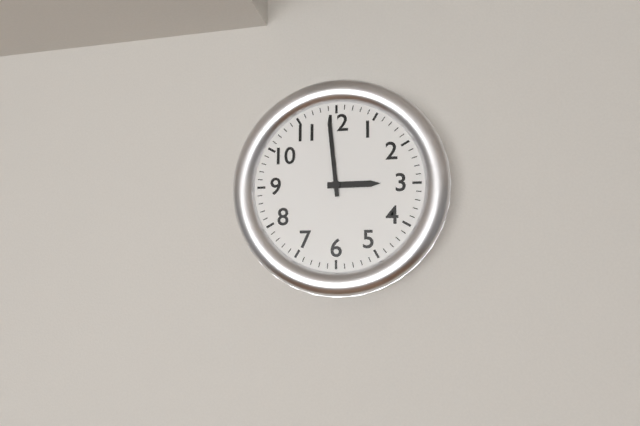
**2:59**
